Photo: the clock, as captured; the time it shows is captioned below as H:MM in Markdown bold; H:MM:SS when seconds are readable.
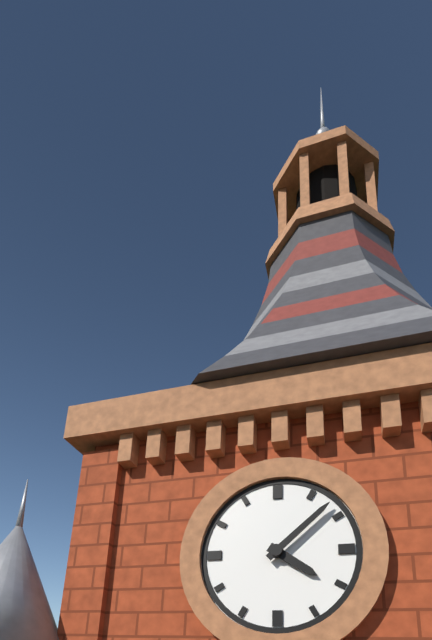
**4:08**
